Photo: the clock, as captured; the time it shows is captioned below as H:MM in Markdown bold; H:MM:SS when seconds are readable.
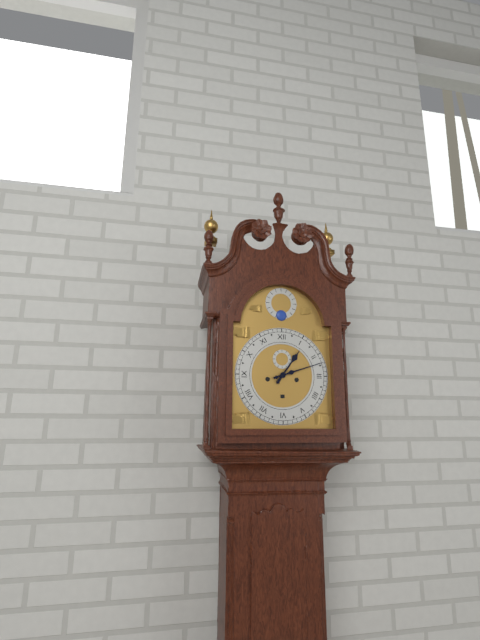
**1:12**
